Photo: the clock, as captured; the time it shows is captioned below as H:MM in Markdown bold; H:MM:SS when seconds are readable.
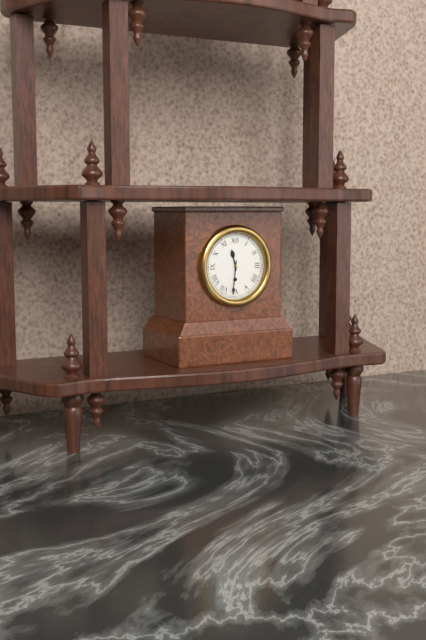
**11:31**
